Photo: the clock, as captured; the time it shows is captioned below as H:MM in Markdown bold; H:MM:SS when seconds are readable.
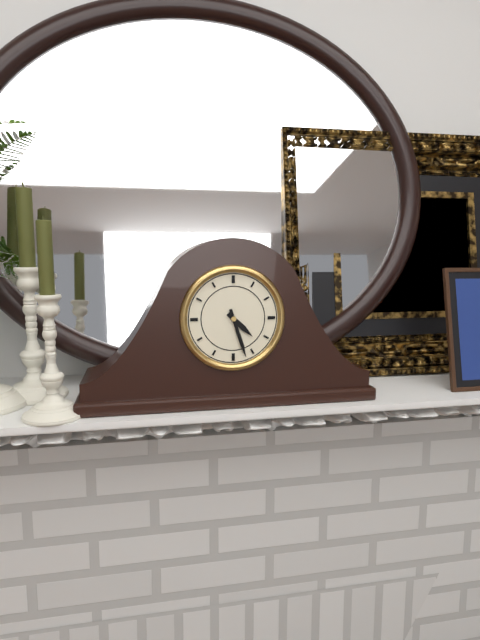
**4:27**
